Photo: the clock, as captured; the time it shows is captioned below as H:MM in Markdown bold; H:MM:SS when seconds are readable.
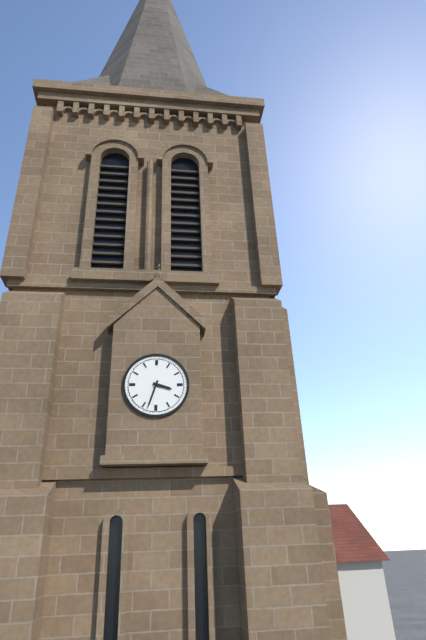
**3:33**
